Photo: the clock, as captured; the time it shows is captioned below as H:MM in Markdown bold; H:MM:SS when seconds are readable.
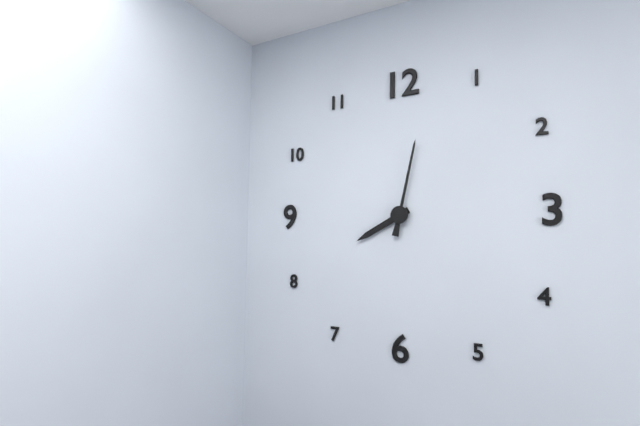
**8:02**
